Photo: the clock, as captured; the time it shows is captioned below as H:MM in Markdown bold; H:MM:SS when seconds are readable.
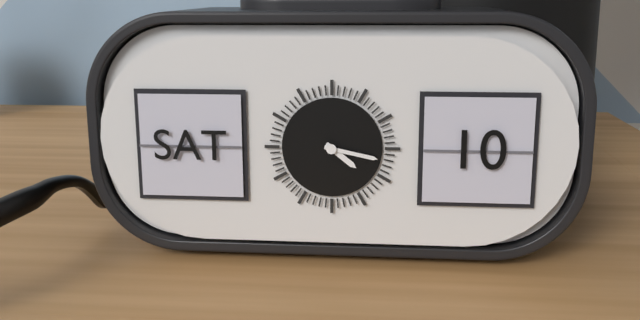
**4:17**
